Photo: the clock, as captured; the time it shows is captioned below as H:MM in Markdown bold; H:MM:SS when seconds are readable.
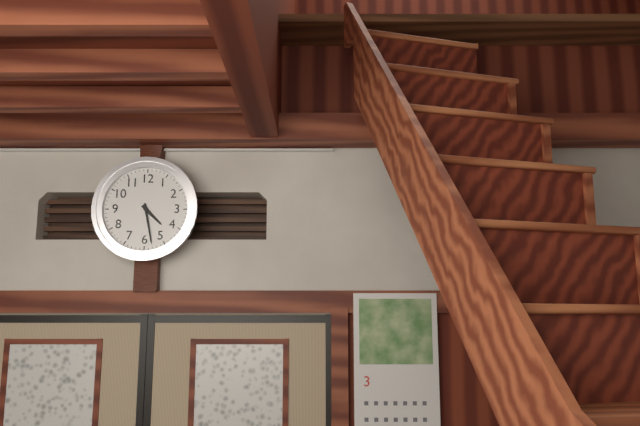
**4:28**
